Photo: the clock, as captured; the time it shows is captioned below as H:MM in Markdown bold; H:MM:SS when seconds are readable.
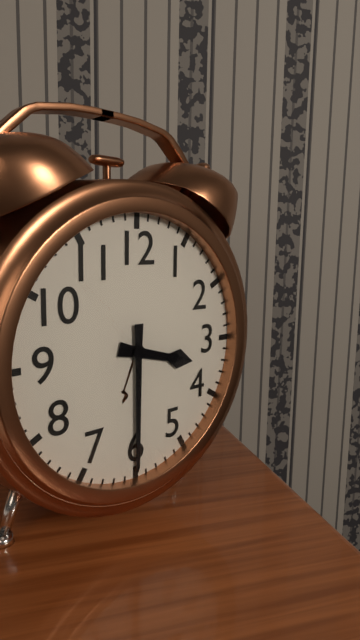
**3:30**
